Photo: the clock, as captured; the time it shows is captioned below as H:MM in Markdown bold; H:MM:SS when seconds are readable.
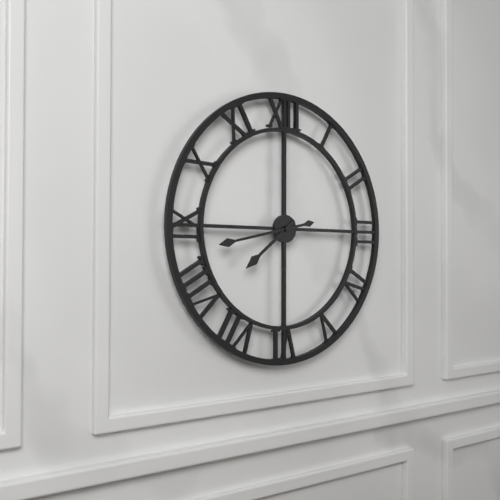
**7:43**
